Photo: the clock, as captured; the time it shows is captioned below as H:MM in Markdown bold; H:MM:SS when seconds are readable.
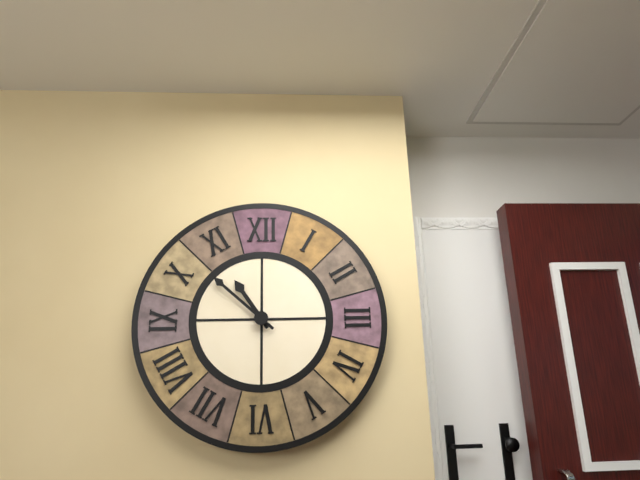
**10:52**
